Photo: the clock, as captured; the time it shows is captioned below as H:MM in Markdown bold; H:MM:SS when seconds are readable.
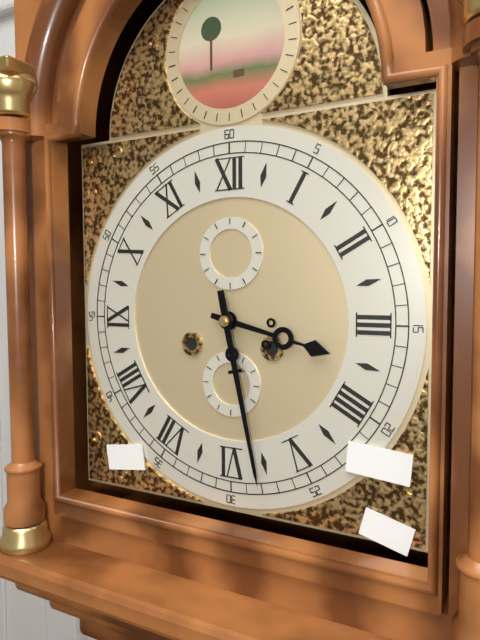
**3:28**
